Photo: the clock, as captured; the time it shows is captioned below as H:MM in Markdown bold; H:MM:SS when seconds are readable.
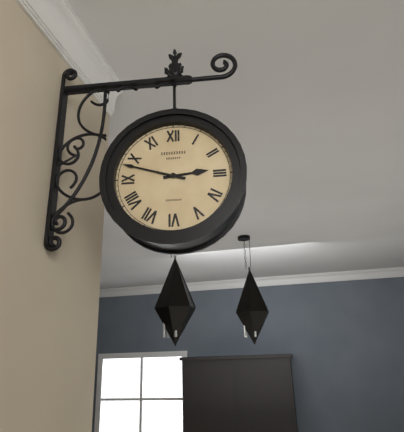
**2:48**
